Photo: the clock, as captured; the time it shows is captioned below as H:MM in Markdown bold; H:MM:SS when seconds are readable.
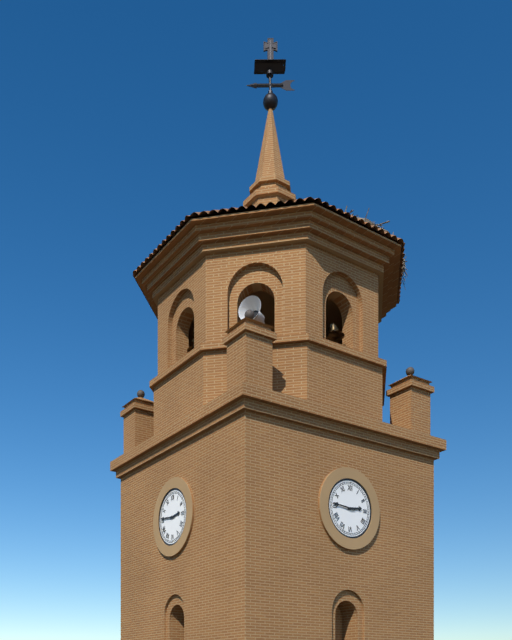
**2:46**
